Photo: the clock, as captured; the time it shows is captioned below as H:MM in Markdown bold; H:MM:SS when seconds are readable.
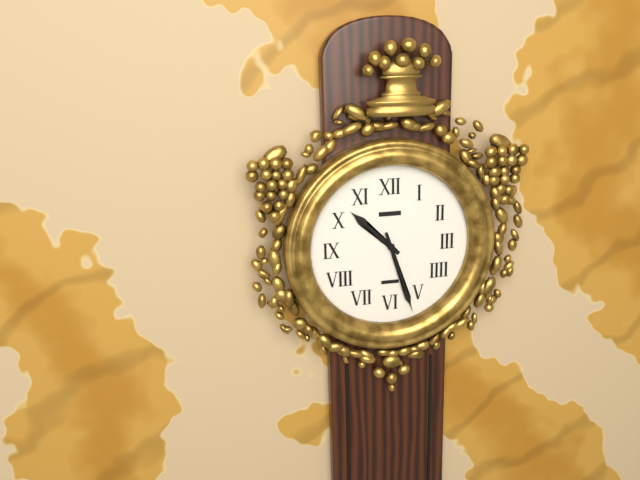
**10:27**
